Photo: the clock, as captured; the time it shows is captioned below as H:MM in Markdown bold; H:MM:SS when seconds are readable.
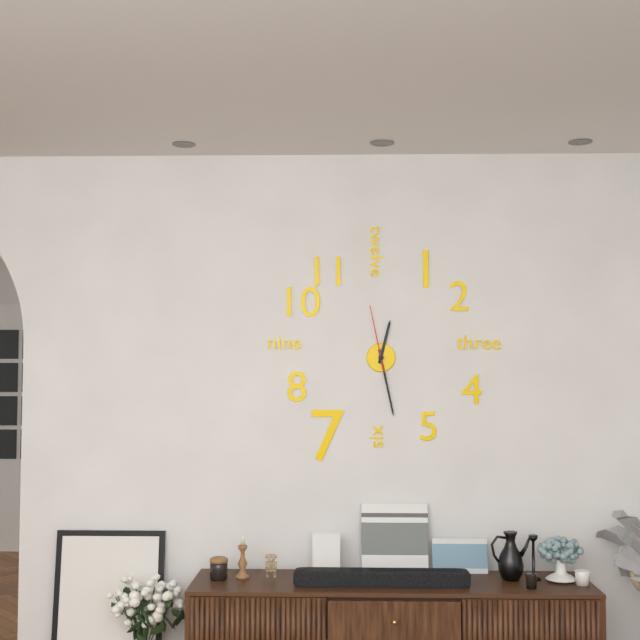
**12:28:58**
